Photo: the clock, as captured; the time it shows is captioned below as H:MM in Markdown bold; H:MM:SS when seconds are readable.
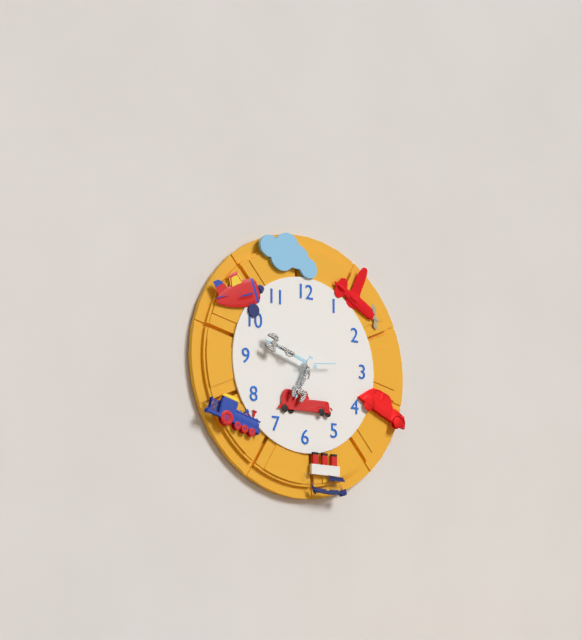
**6:48**
